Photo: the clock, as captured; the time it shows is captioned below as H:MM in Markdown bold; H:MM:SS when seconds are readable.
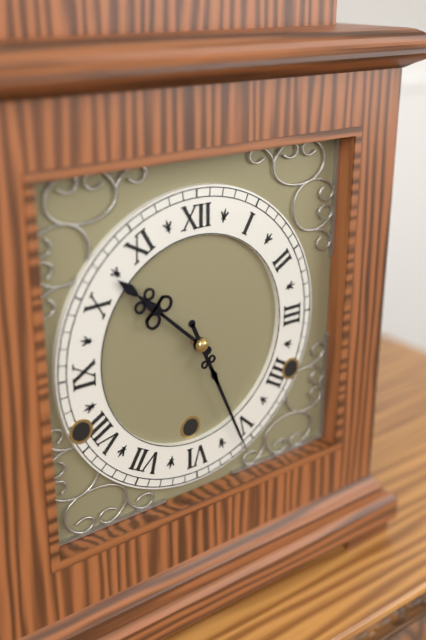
**10:26**
